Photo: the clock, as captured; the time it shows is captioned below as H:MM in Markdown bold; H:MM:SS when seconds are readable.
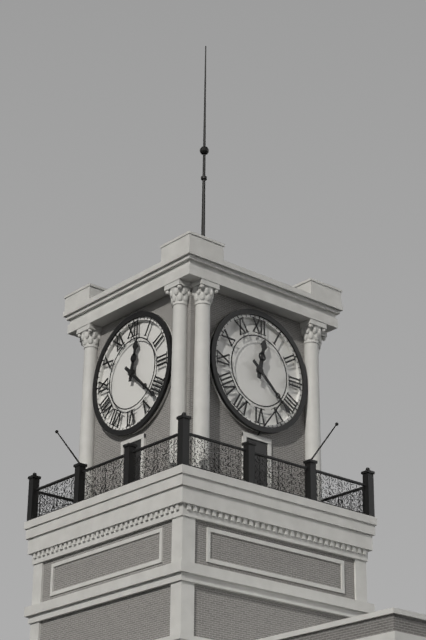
**12:22**
